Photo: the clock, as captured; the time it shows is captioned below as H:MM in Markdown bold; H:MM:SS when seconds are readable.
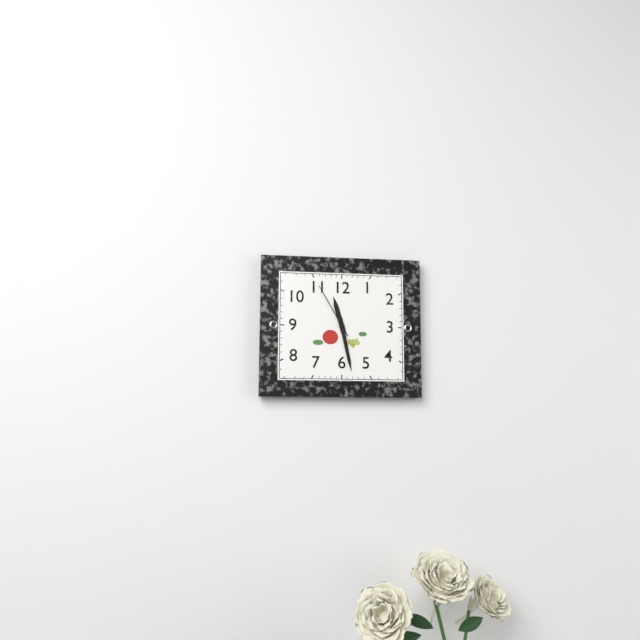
**11:28:55**
